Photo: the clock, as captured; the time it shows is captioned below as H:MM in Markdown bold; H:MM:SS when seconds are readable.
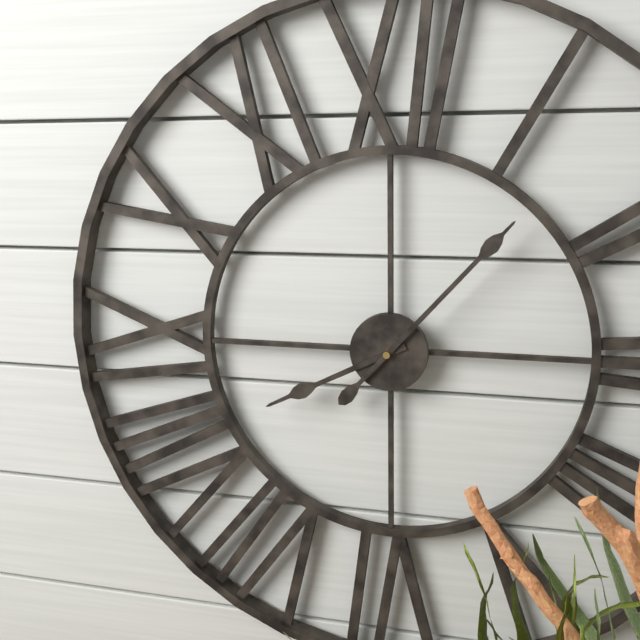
**8:07**
